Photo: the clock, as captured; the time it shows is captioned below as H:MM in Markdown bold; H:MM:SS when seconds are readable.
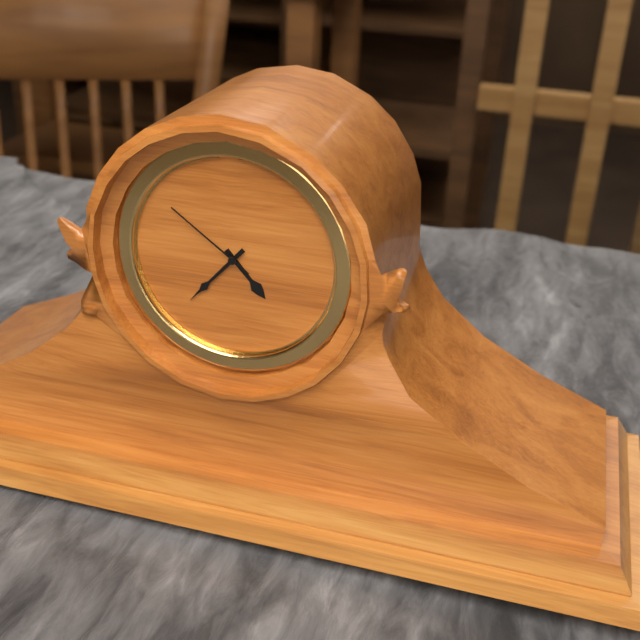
**4:37:51**
